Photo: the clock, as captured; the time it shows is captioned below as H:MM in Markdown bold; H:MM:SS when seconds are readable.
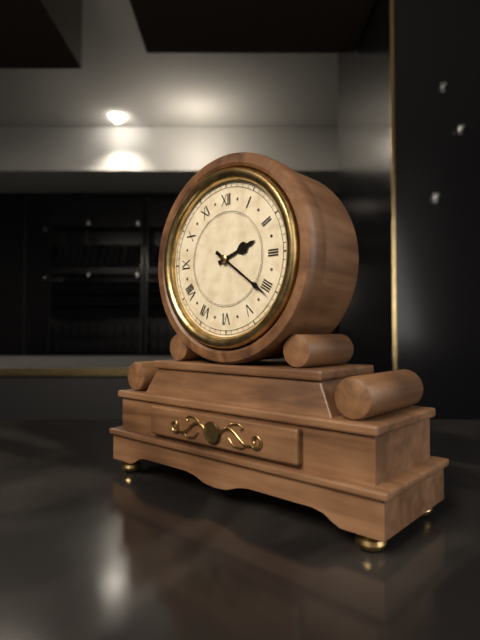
**2:21**
